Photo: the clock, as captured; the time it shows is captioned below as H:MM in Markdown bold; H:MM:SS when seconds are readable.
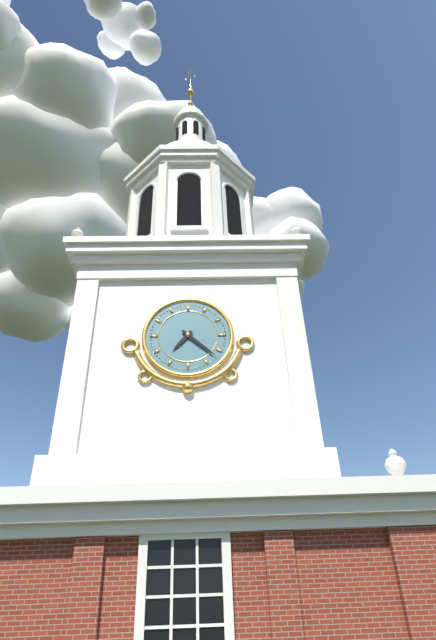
**7:22**
